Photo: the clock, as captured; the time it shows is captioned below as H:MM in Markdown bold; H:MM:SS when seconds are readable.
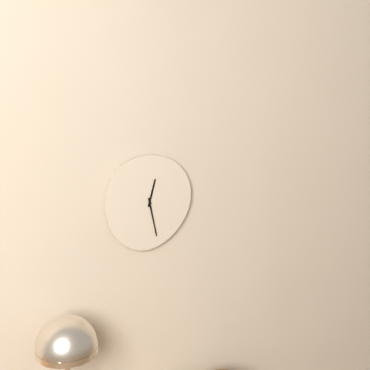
**12:28**
